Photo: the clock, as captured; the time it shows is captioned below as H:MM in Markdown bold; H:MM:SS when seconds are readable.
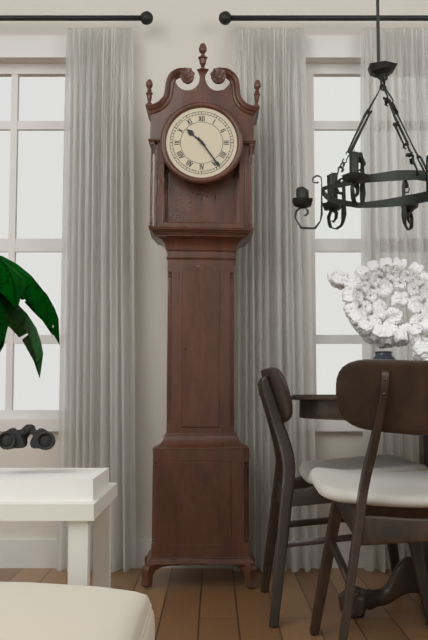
**10:24**
